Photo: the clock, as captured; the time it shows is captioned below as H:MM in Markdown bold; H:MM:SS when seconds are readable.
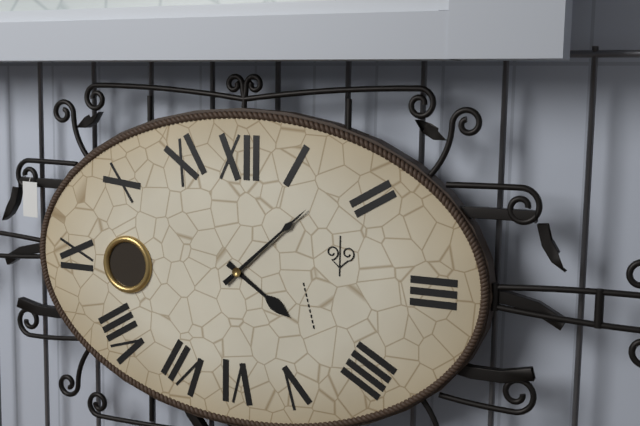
**4:08**
